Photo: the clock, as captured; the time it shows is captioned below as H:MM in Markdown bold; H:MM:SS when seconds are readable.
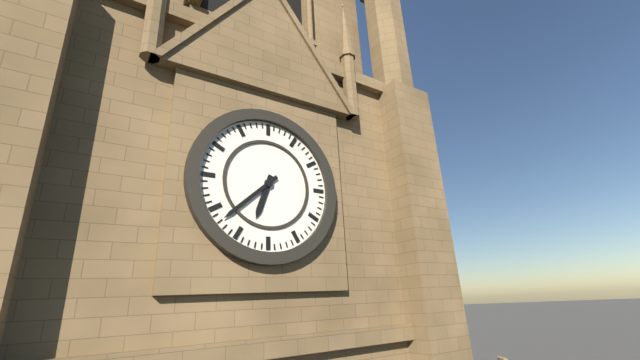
**6:38**
